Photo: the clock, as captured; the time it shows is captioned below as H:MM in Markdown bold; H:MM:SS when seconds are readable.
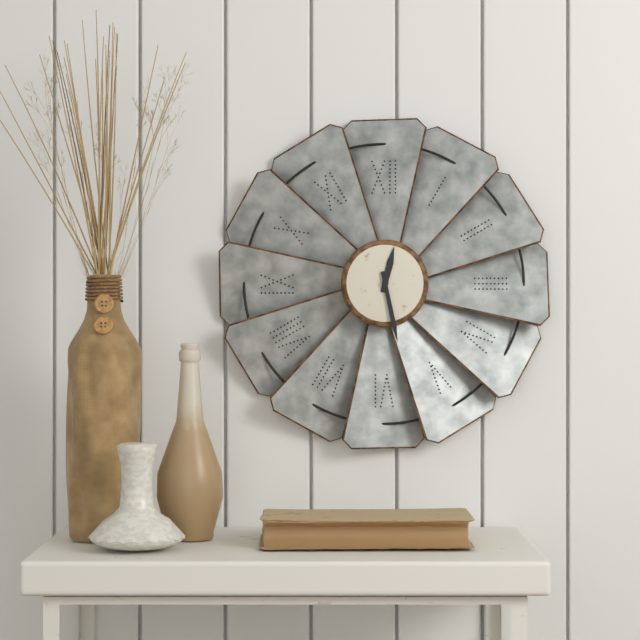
**12:28**
